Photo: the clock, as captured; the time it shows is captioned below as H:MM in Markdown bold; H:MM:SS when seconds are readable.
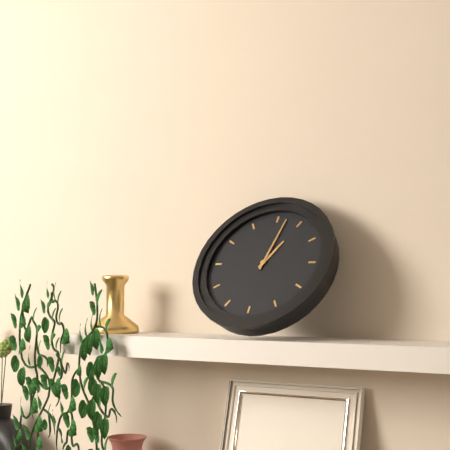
**1:02**
